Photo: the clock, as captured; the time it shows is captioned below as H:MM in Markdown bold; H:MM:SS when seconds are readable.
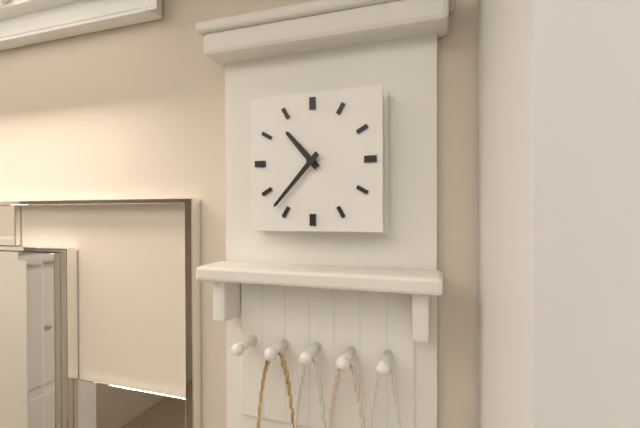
**10:37**
